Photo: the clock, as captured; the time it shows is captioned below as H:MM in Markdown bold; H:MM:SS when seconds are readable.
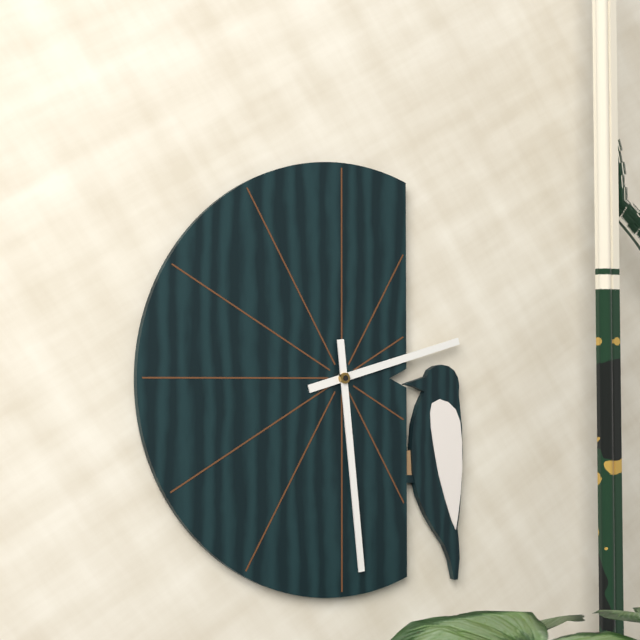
**2:29**
